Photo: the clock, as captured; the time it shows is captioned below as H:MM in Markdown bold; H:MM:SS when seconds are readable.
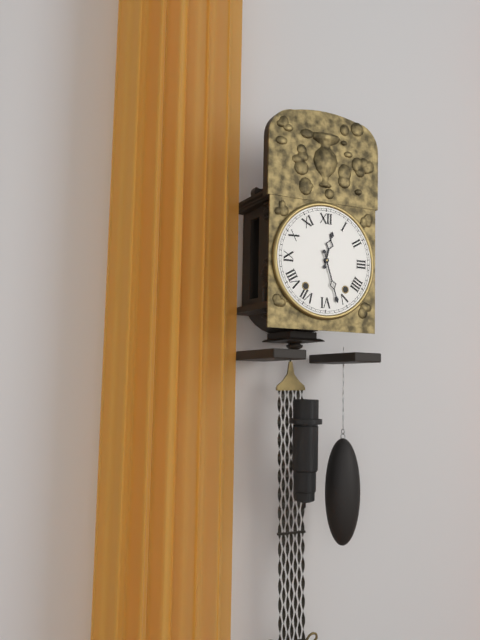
**12:27**
